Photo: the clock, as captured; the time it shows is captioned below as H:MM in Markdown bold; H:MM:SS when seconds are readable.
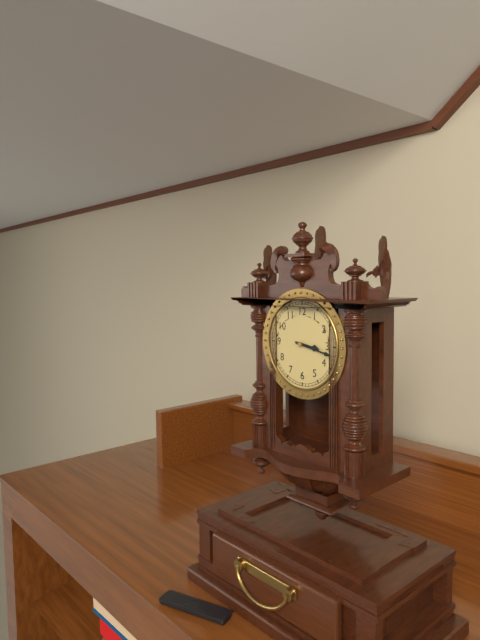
**3:17**
